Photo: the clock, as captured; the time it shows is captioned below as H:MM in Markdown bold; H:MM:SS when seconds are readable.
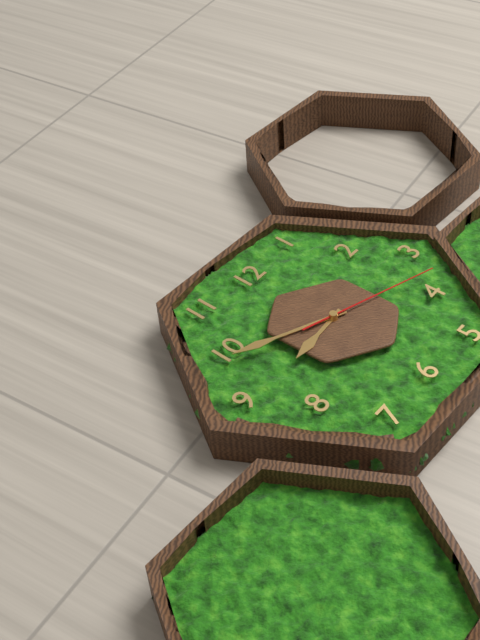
**8:49:18**
